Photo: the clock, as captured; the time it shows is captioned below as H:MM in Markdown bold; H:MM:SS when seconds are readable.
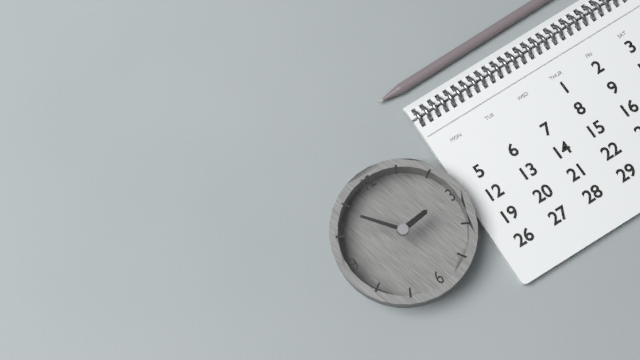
**2:54**
